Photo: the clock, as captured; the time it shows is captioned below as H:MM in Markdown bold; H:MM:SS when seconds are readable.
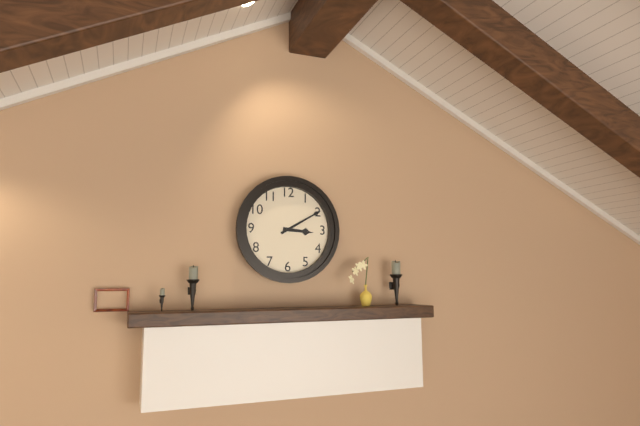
**3:10**
